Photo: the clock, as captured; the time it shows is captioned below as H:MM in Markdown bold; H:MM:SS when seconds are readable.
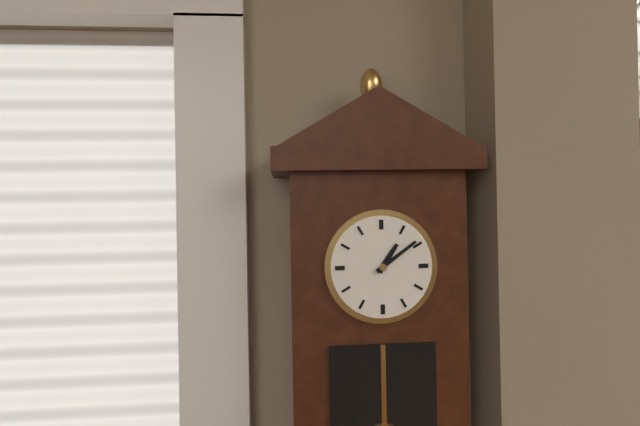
**1:09**
